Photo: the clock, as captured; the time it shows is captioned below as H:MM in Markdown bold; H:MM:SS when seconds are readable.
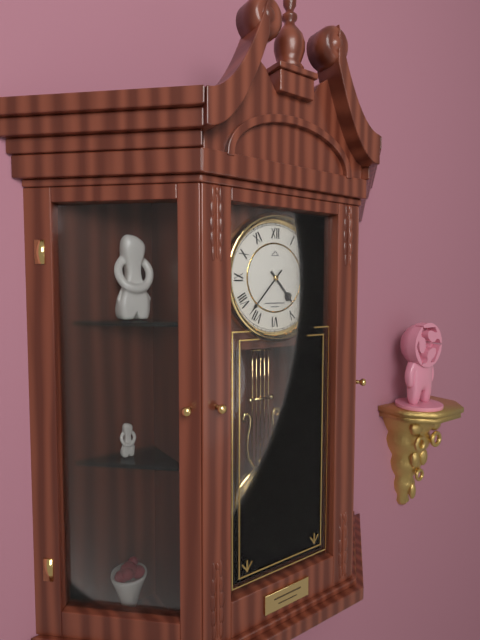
**4:37**
